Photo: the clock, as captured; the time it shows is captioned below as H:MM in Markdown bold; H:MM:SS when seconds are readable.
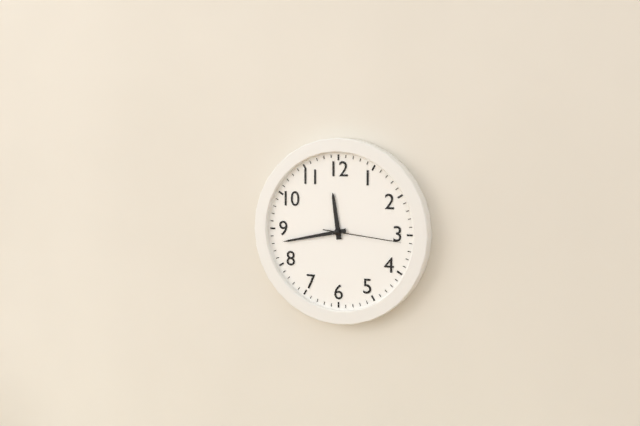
**11:43:16**
